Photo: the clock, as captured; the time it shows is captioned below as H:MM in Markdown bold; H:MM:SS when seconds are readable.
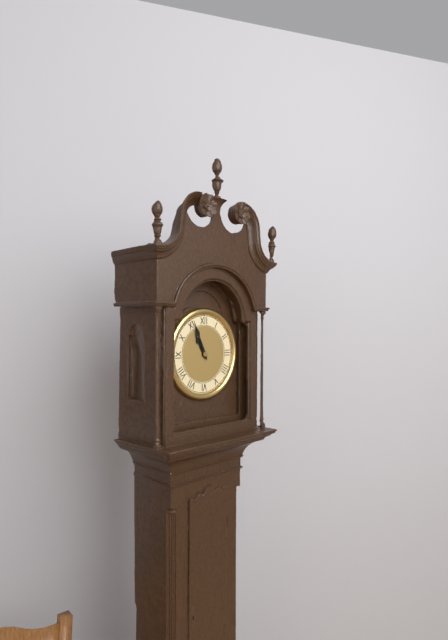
**10:56**
